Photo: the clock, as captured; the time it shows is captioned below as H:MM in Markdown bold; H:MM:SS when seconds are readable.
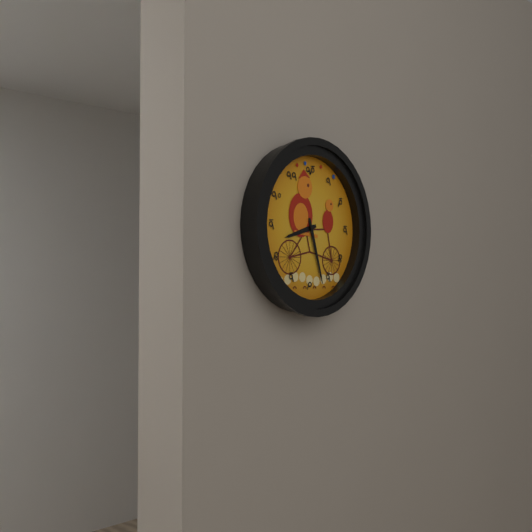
**8:27**
